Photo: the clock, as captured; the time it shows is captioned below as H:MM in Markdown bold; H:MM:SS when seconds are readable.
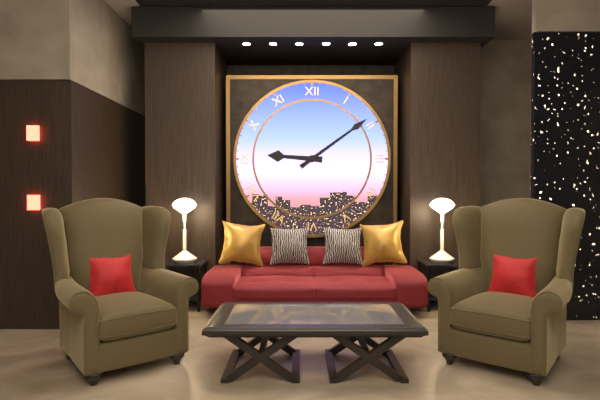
**9:09**
